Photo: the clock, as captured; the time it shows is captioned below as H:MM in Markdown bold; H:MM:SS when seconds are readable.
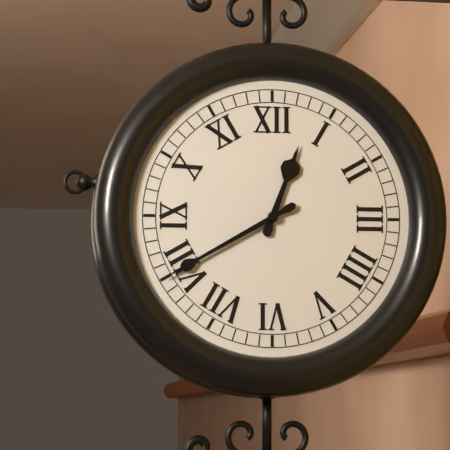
**12:40**
